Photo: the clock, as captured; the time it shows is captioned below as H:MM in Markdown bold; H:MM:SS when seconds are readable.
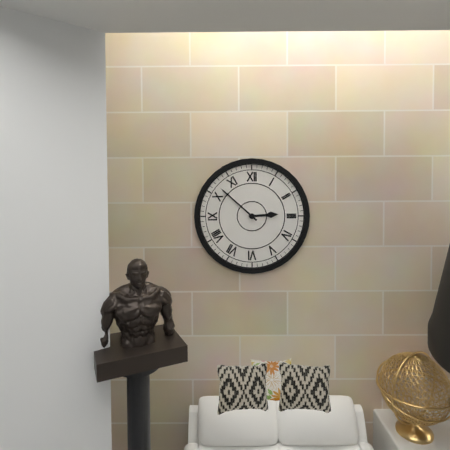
**2:52**
